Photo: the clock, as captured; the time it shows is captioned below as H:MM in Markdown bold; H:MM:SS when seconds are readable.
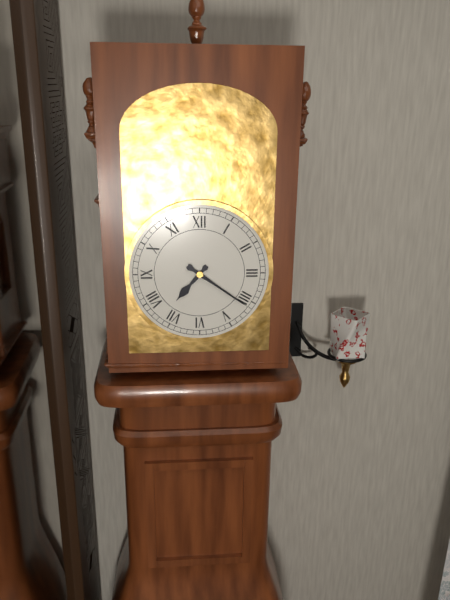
**7:21**
